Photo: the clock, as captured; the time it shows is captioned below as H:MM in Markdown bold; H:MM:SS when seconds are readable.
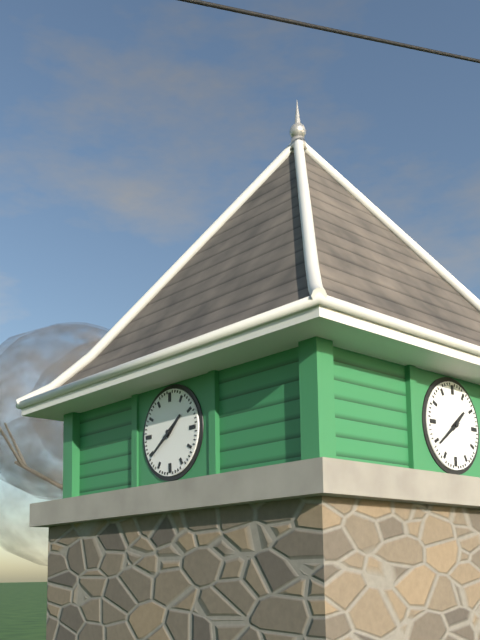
**1:39**
